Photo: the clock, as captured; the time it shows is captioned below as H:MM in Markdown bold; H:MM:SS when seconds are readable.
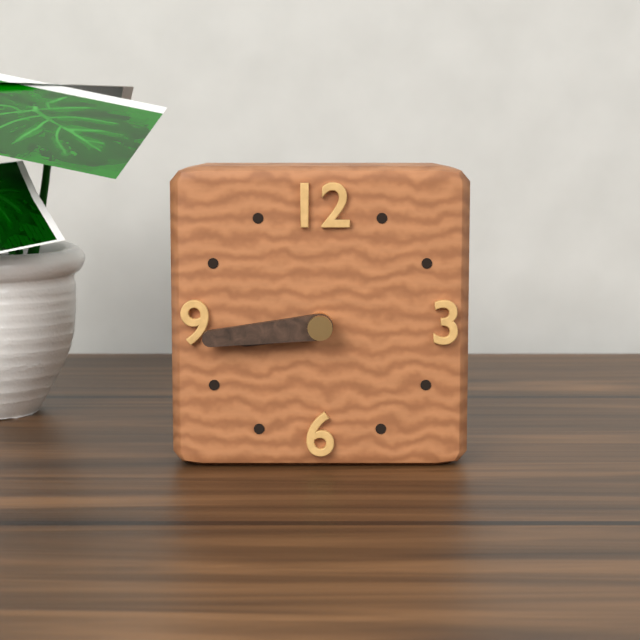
**8:44**
